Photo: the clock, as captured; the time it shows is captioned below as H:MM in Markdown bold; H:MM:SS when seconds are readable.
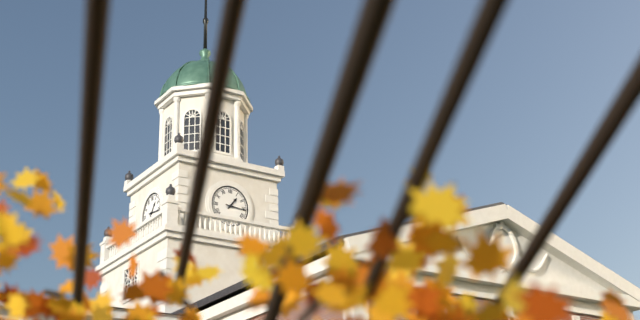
**1:16**
